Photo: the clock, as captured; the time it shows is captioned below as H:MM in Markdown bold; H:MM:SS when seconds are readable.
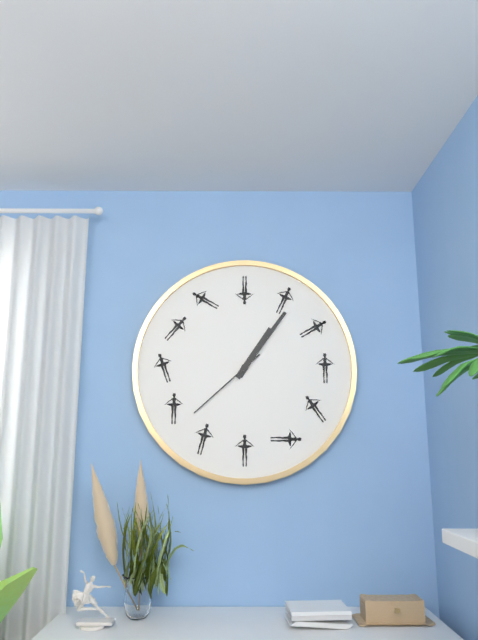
**1:06:38**
